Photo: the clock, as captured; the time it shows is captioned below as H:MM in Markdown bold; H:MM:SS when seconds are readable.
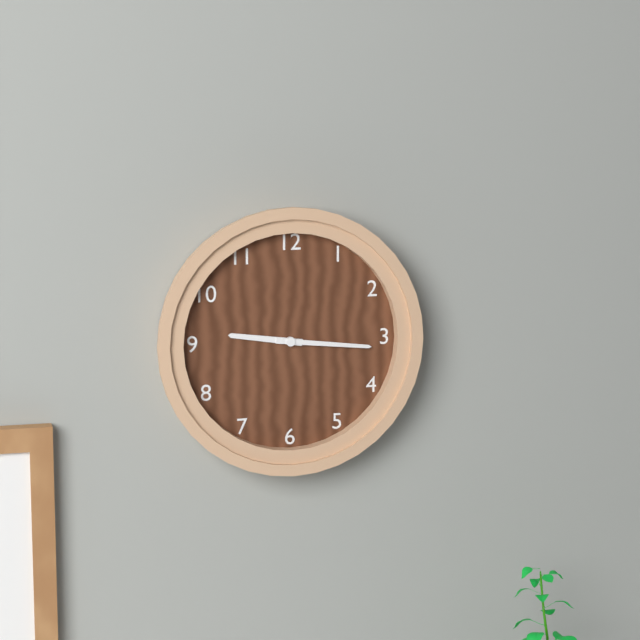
**9:16**
